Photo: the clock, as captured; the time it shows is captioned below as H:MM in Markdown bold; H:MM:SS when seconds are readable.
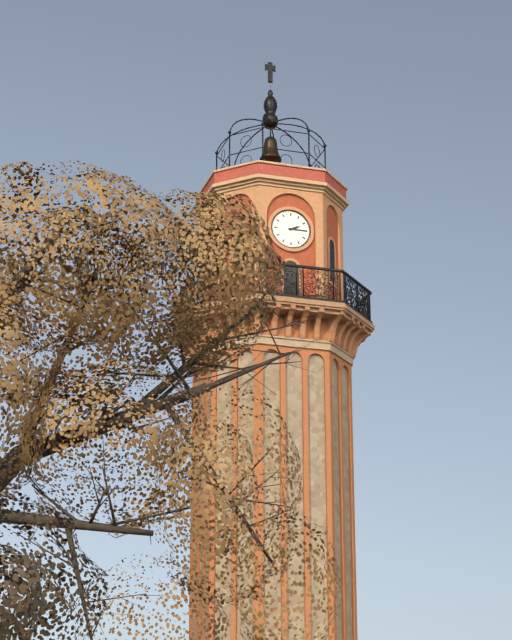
**2:15**
